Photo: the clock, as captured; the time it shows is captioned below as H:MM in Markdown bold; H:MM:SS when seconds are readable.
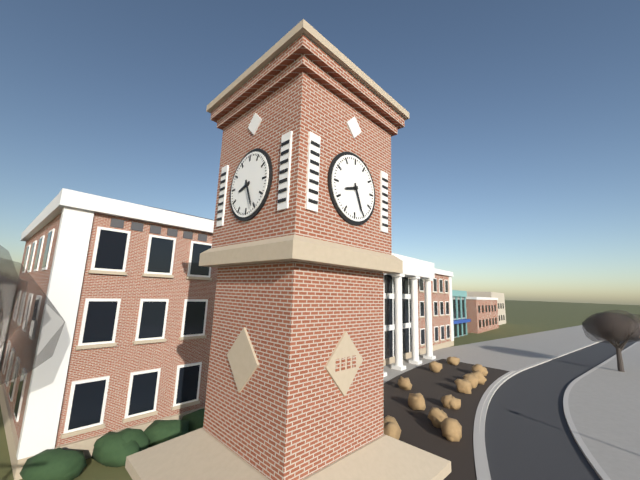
**8:26**
